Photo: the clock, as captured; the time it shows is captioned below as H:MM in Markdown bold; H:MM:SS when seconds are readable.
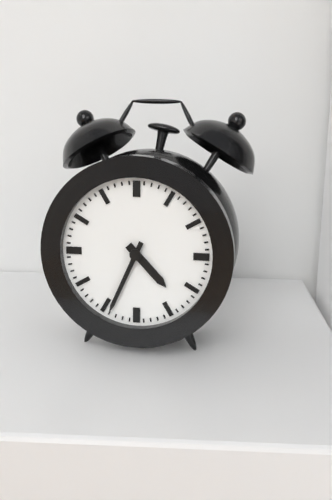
**4:34**
